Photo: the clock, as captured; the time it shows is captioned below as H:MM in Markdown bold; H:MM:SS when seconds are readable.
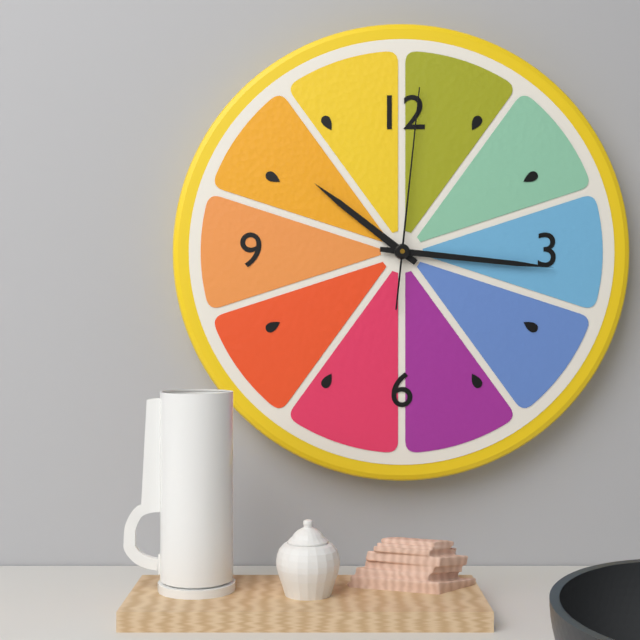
**10:16:01**
